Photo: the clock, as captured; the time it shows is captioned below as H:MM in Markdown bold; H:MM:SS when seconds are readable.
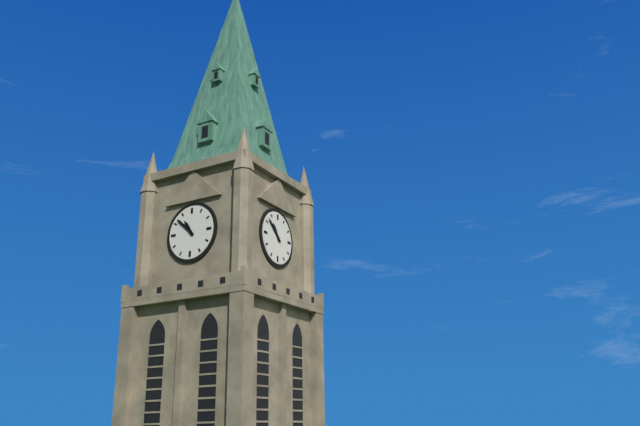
**10:52**
